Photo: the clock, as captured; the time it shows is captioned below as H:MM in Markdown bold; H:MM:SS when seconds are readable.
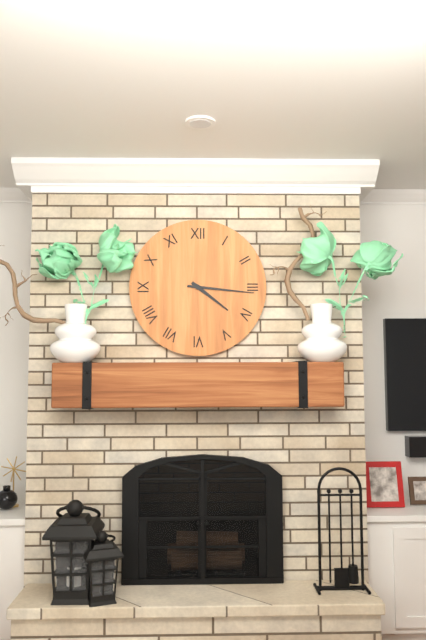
**4:16**
